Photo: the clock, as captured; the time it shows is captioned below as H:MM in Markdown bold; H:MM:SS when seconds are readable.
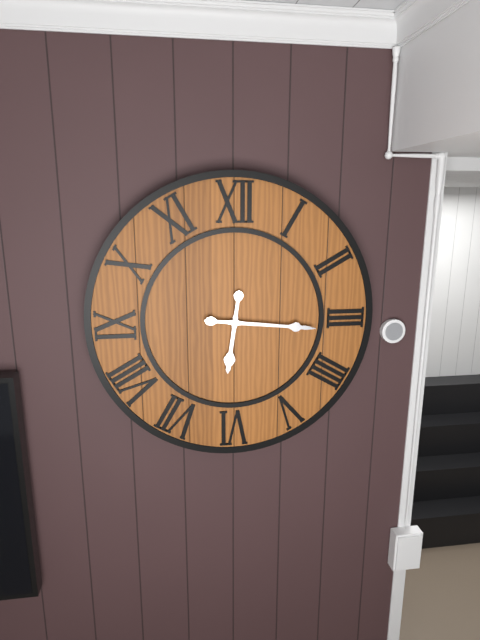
**6:16**
